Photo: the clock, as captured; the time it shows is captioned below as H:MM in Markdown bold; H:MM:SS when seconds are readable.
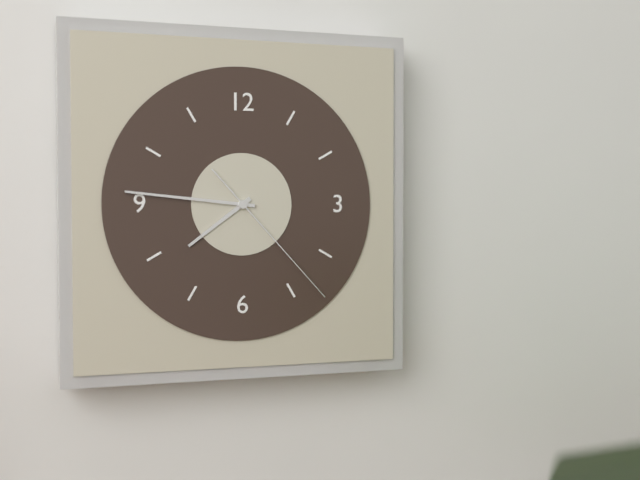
**7:46:23**
